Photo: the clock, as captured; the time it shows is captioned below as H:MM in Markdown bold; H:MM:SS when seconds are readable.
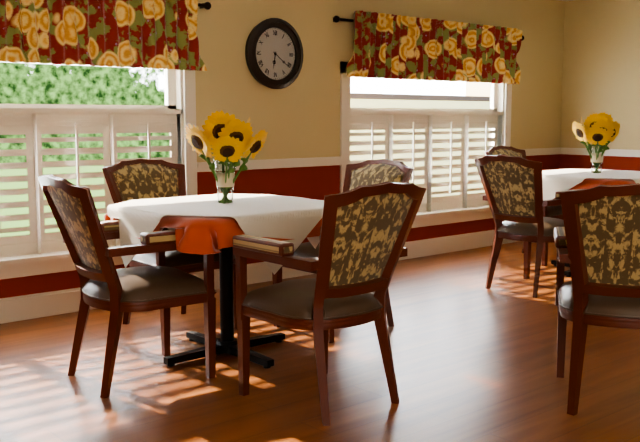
**6:21**
